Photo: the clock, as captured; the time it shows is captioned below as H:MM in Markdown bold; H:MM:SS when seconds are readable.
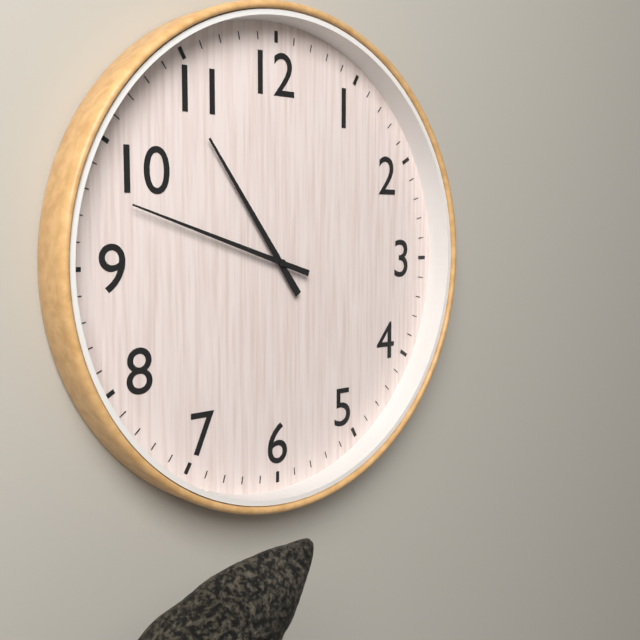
**10:48**
